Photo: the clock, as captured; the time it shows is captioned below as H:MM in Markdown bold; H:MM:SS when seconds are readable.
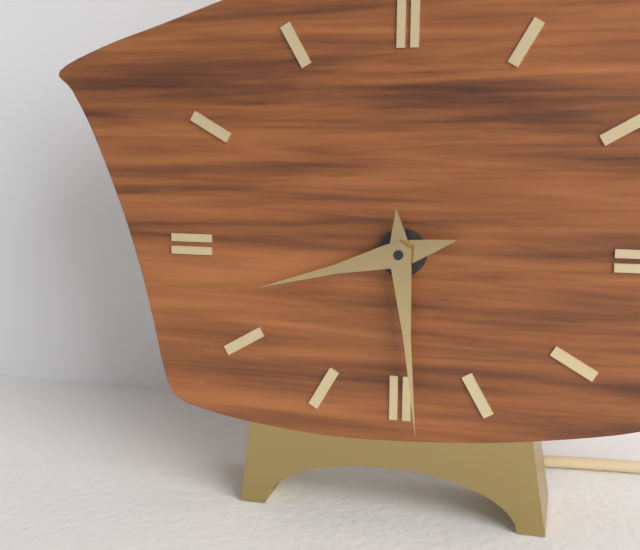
**8:29**
